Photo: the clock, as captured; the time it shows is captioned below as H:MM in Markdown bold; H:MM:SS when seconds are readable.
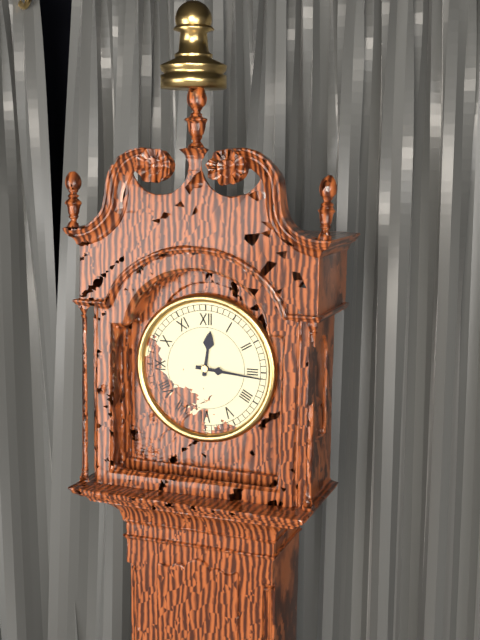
**12:16**
